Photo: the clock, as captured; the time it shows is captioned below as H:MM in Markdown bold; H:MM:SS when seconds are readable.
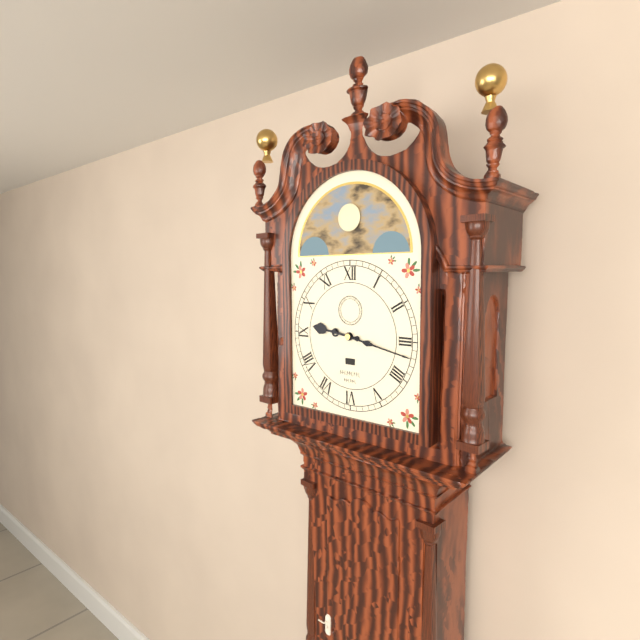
**9:17**
